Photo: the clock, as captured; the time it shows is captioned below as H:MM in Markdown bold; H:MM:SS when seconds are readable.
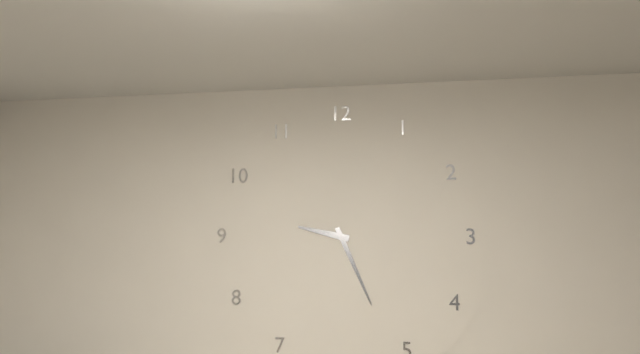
**9:26**
